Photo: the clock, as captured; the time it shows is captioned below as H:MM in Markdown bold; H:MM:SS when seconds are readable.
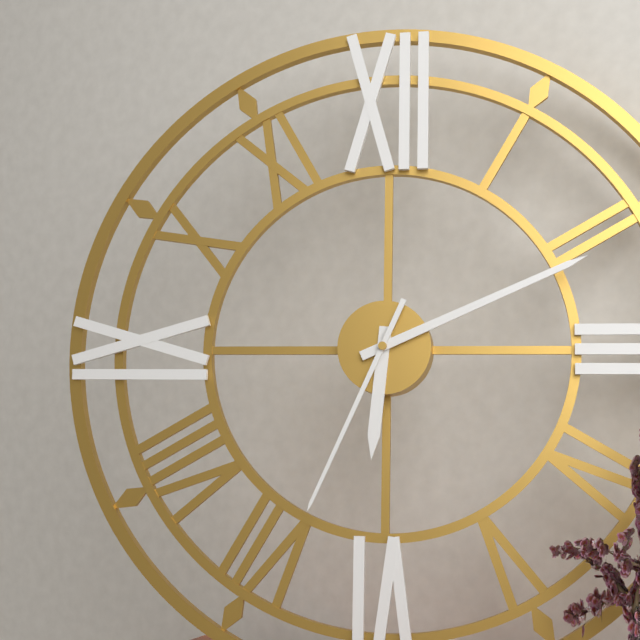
**6:11:34**
